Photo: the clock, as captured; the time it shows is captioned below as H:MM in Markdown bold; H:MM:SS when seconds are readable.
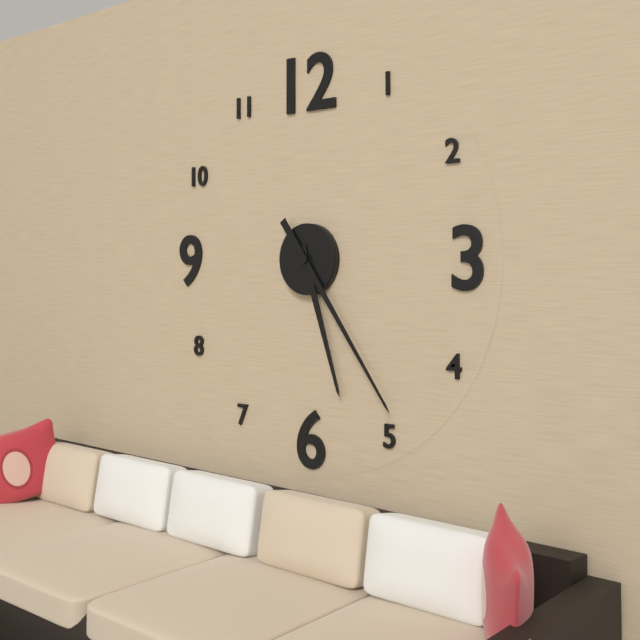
**5:24**
